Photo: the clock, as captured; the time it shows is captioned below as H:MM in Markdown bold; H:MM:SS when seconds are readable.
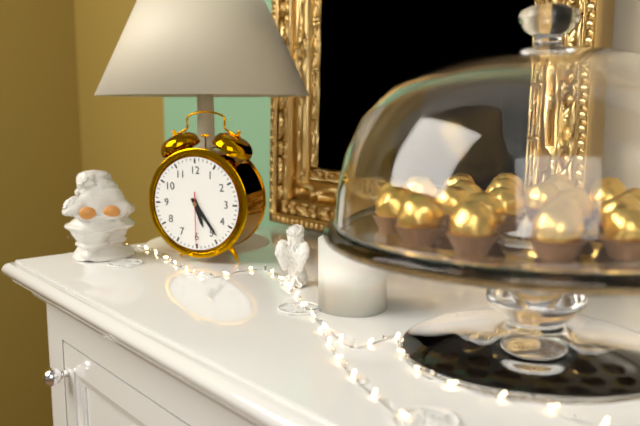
**5:24:30**
